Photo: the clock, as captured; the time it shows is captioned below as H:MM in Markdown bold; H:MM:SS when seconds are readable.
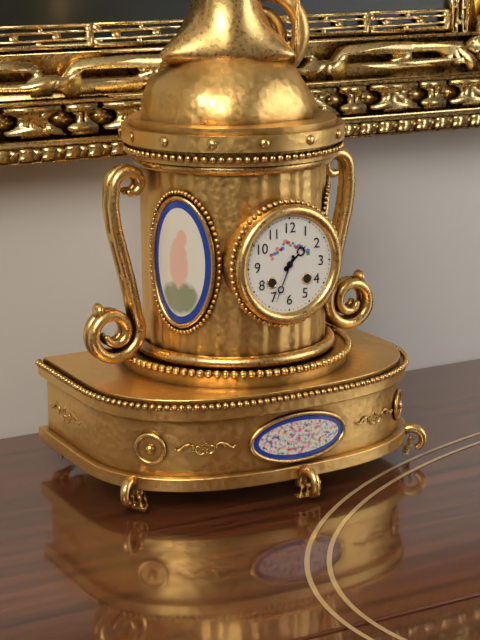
**1:34**
